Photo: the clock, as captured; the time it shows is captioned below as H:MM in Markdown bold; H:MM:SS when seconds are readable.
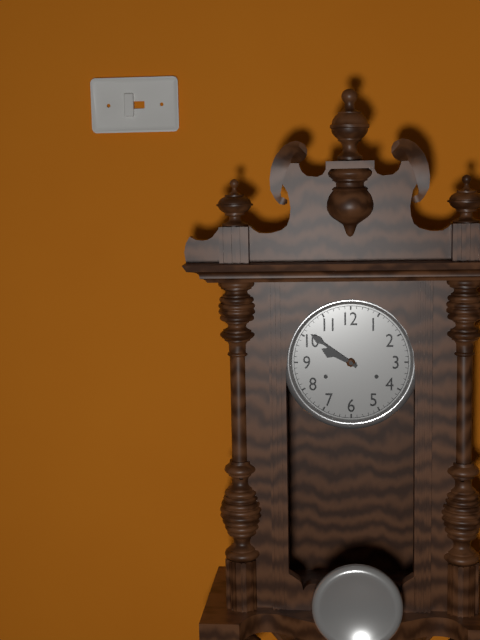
**9:51**
